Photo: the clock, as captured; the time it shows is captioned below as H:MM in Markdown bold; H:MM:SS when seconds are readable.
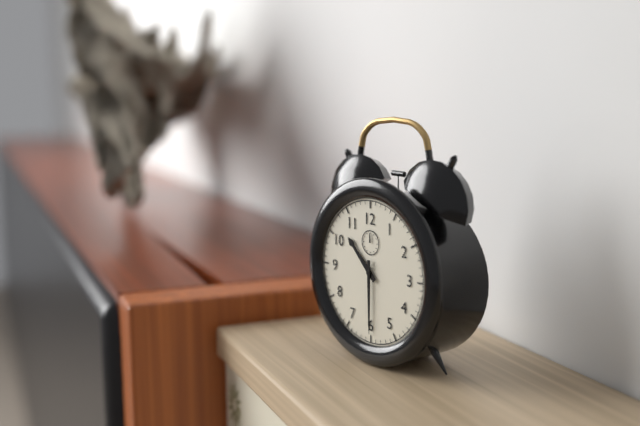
**10:30**
